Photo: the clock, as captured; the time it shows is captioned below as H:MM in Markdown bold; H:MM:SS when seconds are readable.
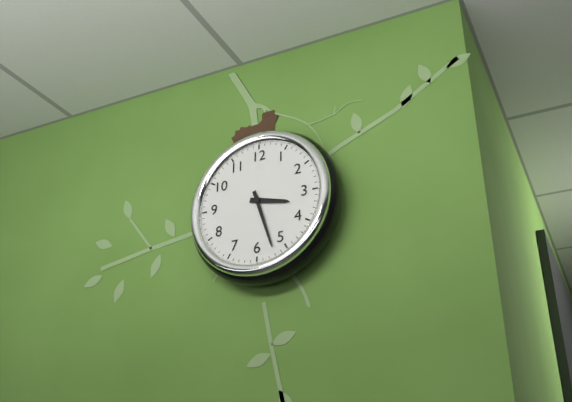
**3:27**
